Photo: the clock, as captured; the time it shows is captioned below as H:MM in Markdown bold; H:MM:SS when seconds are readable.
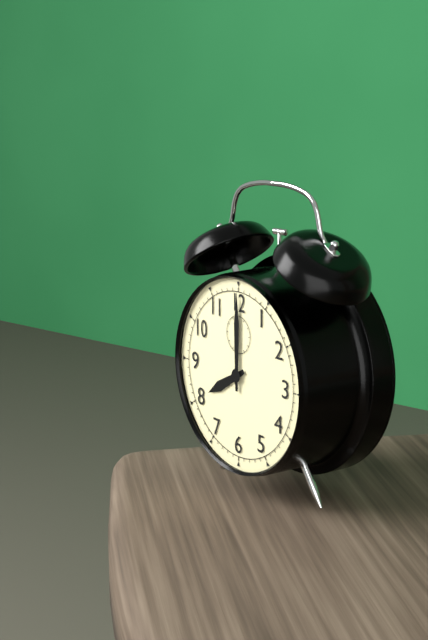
**8:00**
